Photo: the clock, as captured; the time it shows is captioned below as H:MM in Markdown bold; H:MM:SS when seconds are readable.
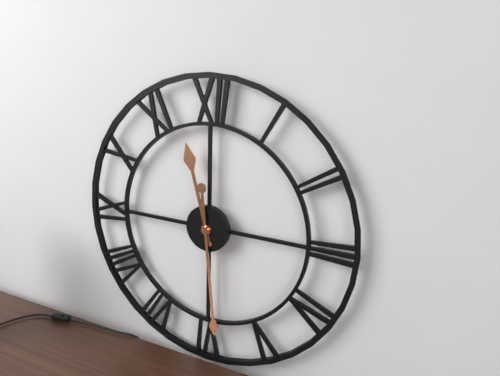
**11:29**
